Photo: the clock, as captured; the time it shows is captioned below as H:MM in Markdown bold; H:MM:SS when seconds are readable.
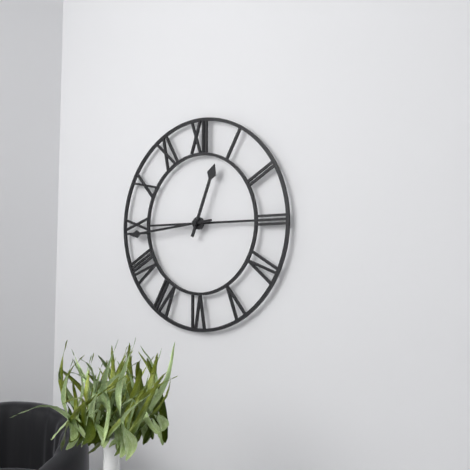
**12:44**
